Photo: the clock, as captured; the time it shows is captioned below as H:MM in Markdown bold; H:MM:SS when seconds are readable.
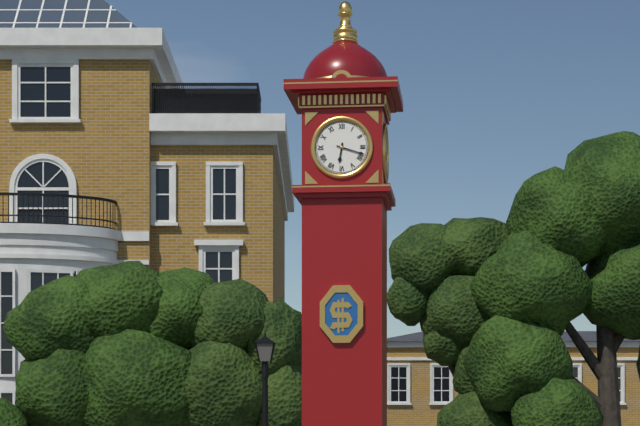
**6:18**
